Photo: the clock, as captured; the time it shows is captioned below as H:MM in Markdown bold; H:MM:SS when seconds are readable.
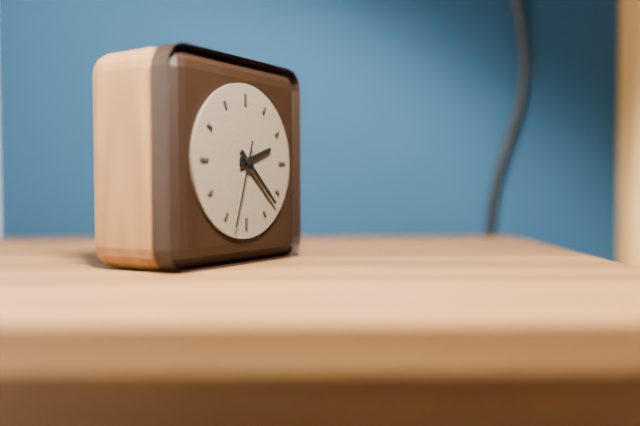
**2:22:33**
